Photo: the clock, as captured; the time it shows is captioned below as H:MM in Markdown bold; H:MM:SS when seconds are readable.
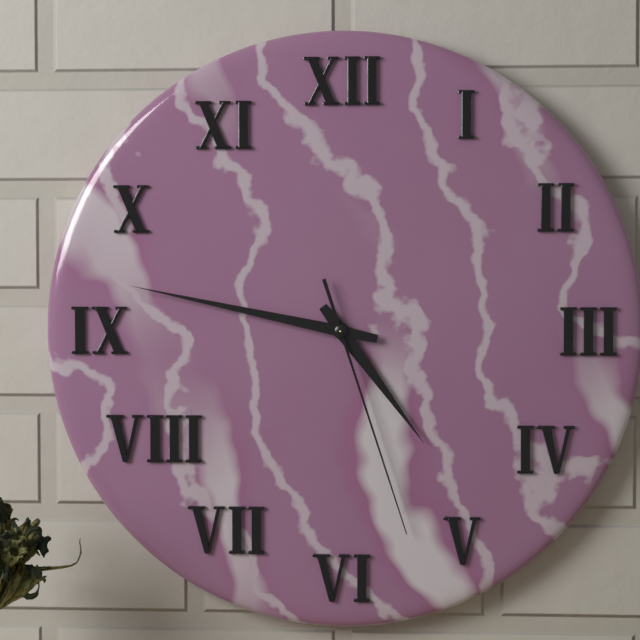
**4:47:27**
